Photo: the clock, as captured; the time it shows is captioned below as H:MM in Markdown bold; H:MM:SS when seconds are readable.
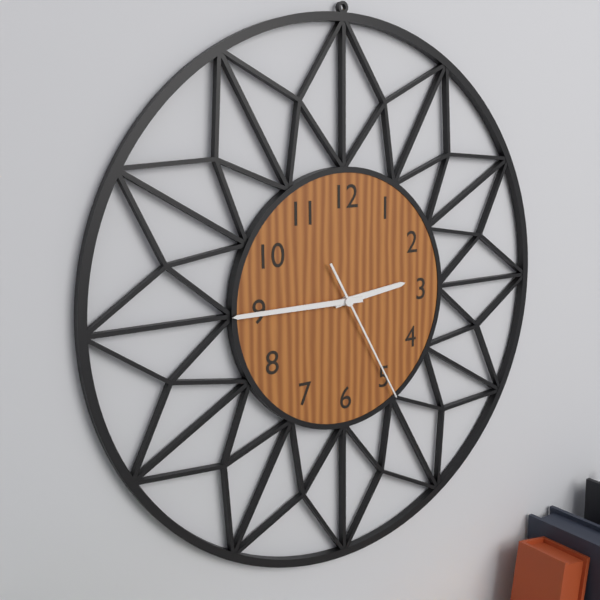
**2:45:25**
